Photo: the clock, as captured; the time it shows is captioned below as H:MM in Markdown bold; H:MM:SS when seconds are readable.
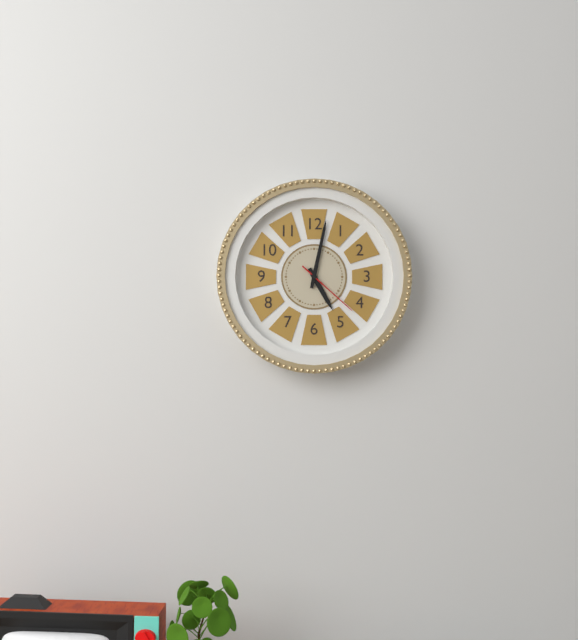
**5:02:22**
